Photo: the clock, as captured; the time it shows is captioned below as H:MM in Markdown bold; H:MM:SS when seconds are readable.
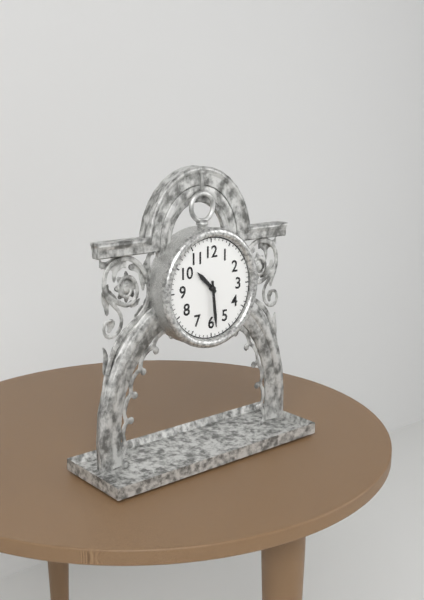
**10:29**
